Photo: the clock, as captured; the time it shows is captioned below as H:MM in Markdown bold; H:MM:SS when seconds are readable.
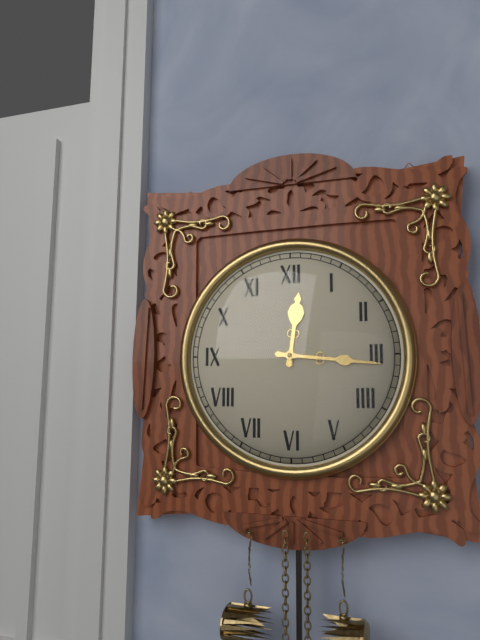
**12:16**
